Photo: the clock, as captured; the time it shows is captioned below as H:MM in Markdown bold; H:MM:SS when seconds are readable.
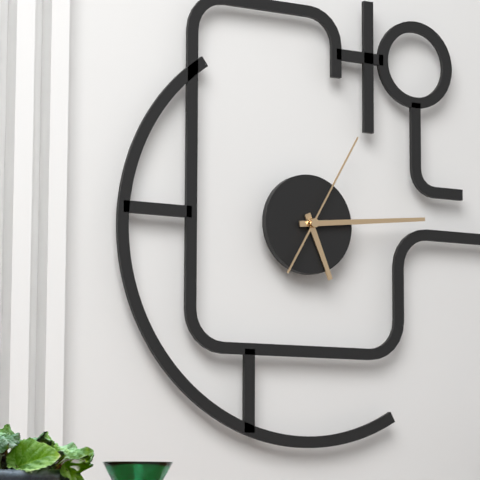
**5:14:05**
